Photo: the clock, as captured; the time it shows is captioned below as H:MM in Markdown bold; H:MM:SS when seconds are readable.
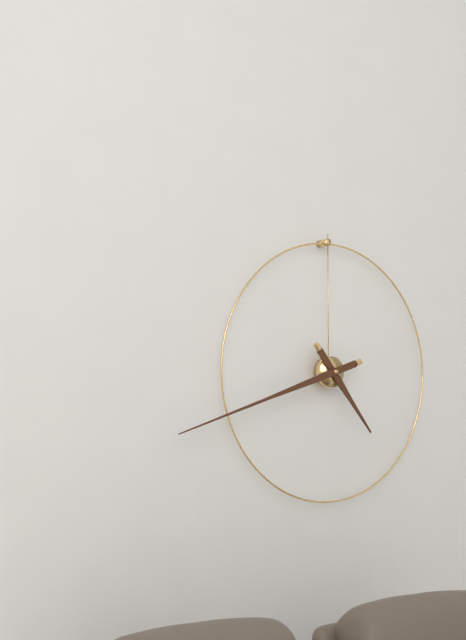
**4:42**
